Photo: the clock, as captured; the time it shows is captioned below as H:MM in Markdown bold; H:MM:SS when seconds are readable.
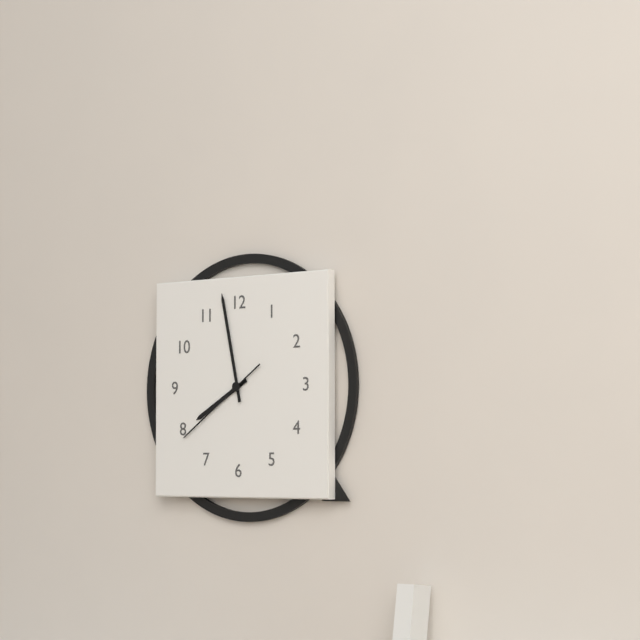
**7:58:39**
